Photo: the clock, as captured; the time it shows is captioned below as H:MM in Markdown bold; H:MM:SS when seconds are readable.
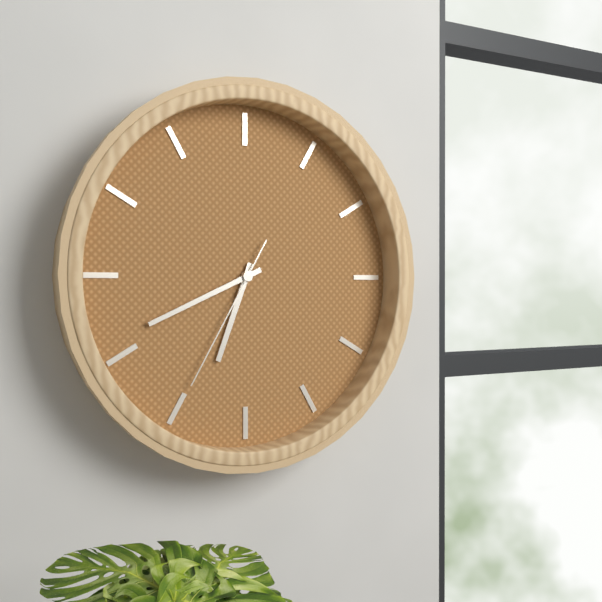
**6:41:35**
